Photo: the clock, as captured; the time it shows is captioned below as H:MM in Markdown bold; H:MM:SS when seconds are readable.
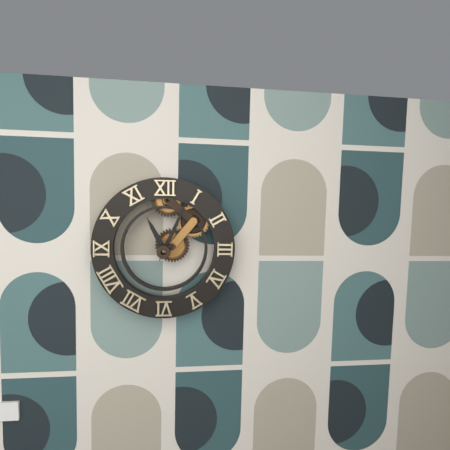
**11:04**
